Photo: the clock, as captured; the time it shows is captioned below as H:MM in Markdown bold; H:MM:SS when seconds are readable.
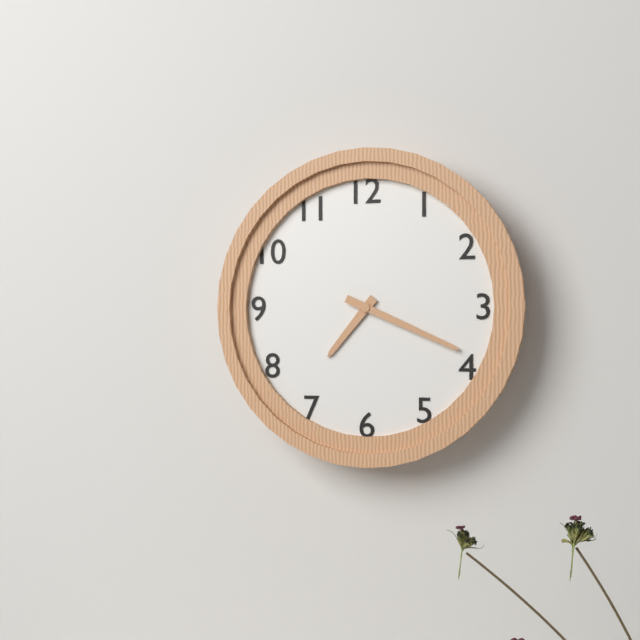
**7:19**
